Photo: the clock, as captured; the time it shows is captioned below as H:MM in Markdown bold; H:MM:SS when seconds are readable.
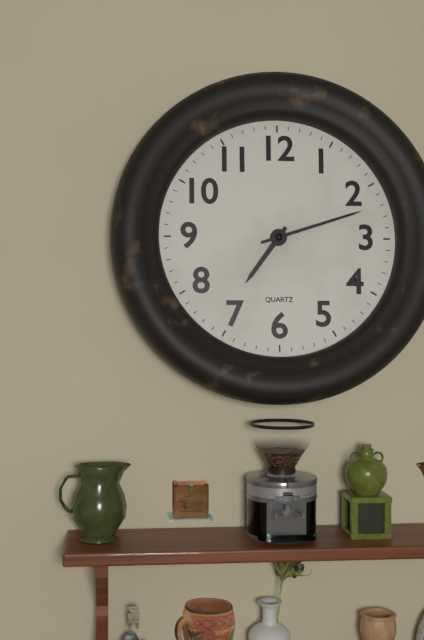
**7:12**
